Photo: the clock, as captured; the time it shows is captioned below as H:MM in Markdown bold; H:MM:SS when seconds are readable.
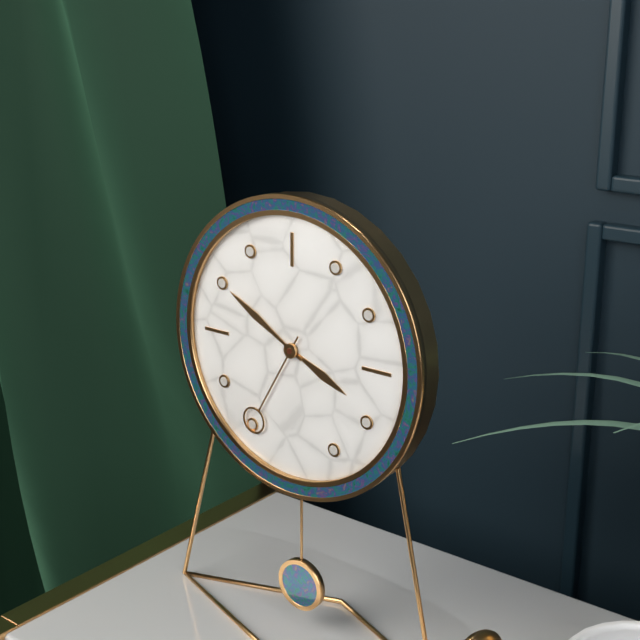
**3:50:35**
